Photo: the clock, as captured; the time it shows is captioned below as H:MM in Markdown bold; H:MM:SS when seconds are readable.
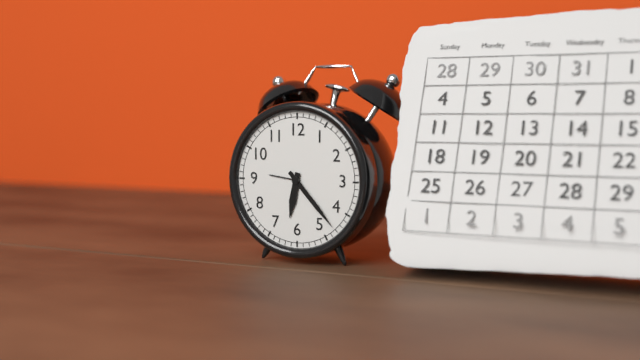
**6:23**
